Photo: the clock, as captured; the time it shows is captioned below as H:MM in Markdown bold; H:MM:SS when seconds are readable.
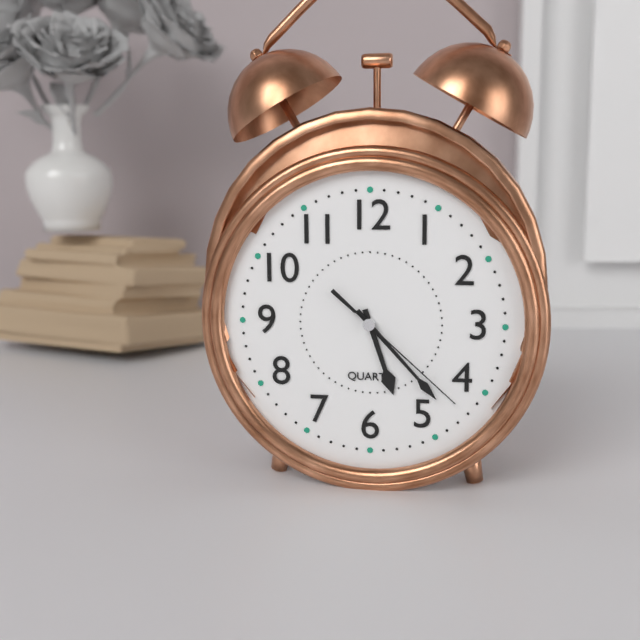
**5:23:22**
